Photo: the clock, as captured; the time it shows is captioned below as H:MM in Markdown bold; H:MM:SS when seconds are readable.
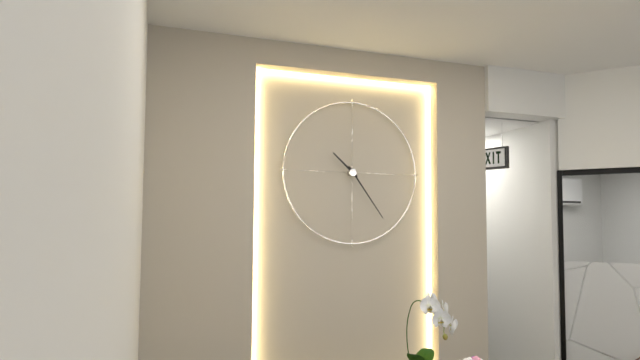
**10:24**
